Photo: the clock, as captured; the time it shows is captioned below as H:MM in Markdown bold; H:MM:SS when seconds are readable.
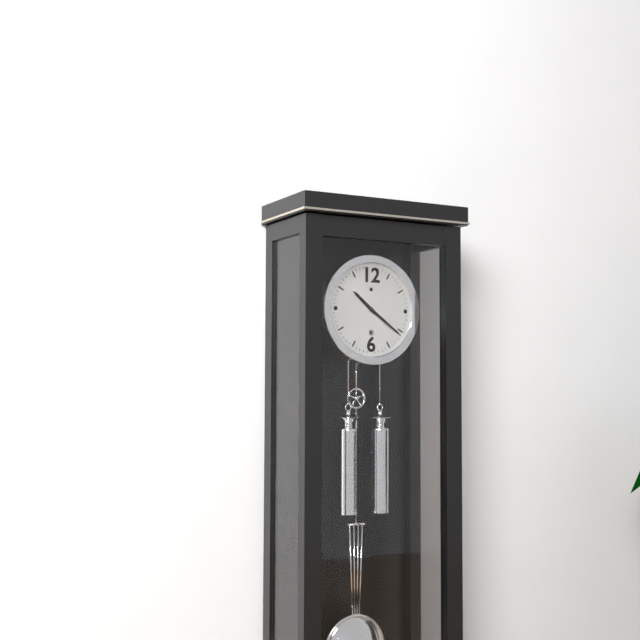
**10:21**
